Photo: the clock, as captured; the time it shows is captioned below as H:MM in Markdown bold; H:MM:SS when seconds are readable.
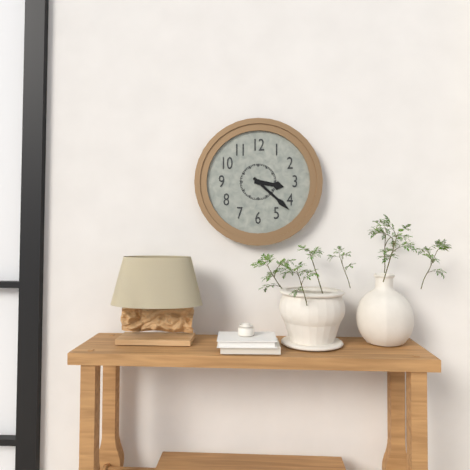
**3:22**
